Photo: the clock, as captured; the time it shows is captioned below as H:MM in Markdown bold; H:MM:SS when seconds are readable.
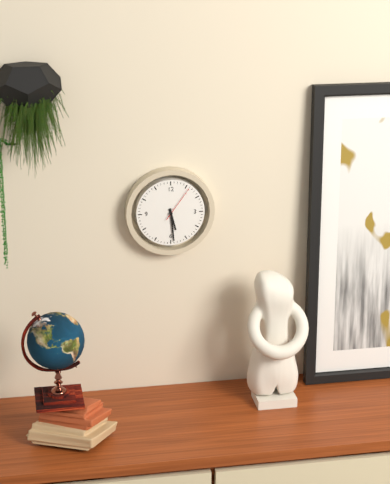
**5:29**
